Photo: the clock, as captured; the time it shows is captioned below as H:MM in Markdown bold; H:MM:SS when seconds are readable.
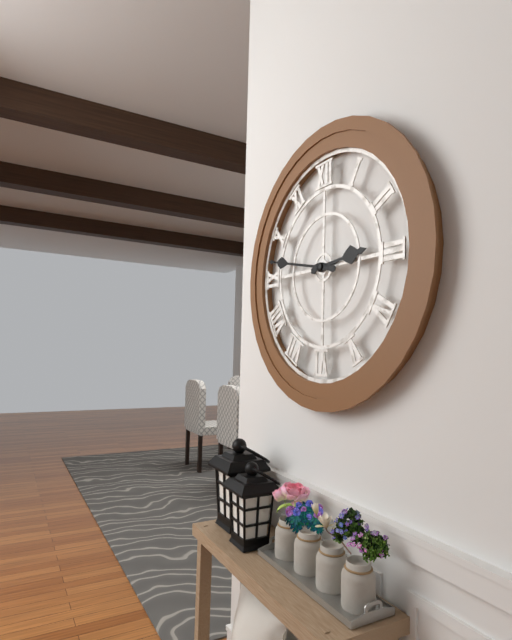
**2:47**
